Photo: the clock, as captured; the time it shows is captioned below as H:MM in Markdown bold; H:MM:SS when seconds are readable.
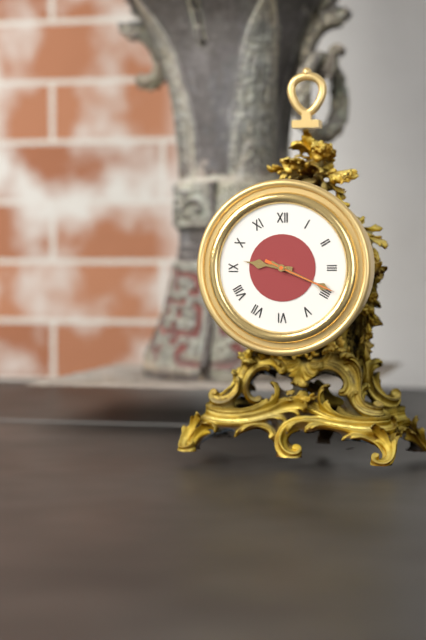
**9:19:19**
